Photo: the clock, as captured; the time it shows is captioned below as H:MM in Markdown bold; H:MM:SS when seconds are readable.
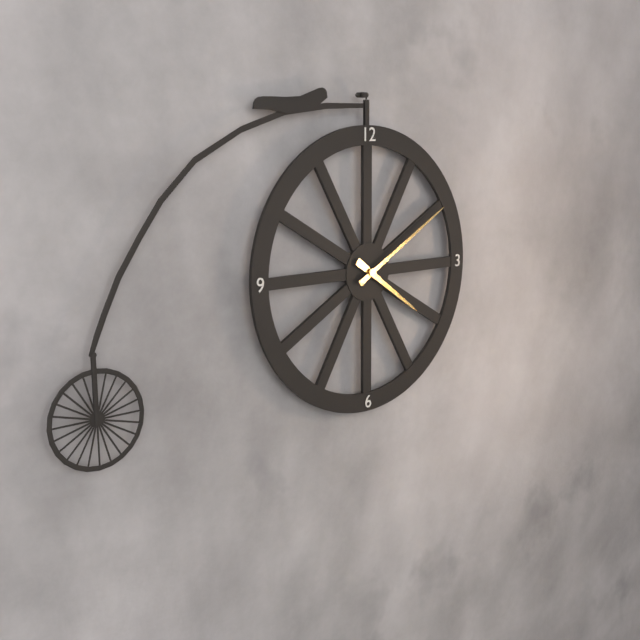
**4:10**
